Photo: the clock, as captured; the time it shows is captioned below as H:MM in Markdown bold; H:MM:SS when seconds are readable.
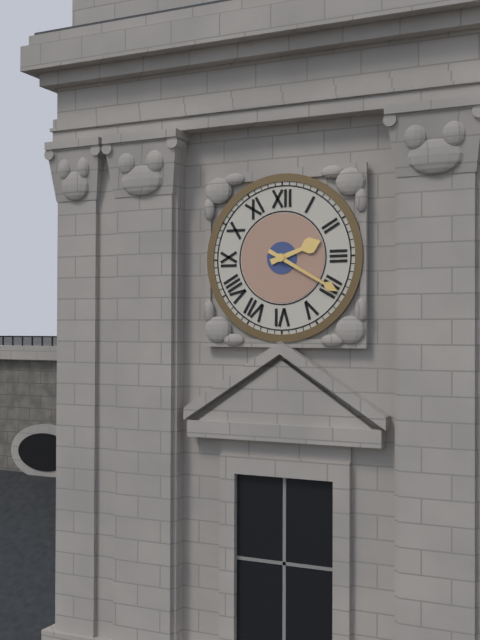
**2:20**
